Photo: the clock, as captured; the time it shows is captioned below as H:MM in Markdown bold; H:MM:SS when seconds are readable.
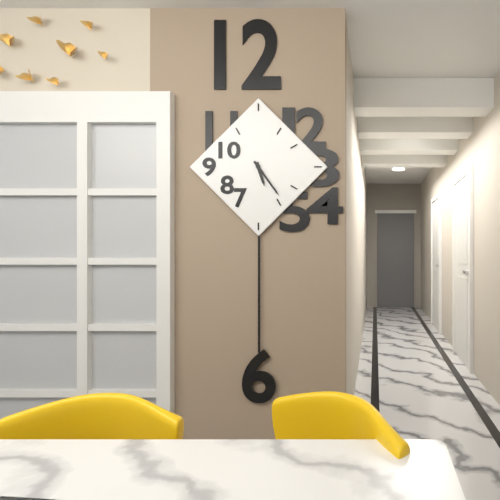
**5:24**
